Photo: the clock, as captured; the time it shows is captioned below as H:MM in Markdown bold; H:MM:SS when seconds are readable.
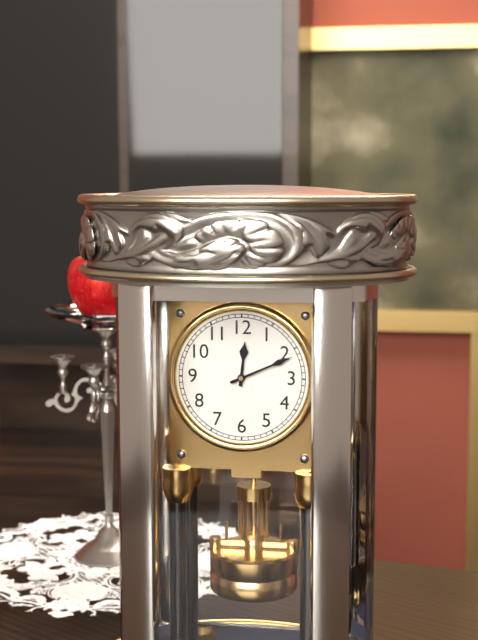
**12:11**
